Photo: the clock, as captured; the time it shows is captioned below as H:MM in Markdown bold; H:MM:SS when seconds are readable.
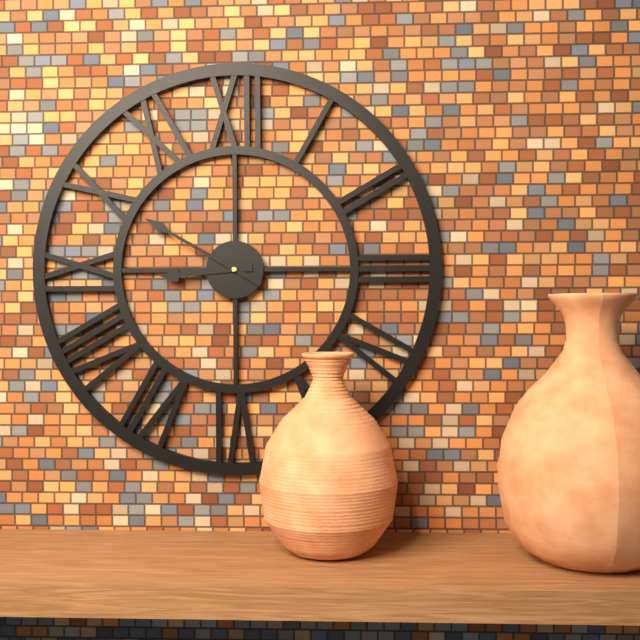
**8:50**
